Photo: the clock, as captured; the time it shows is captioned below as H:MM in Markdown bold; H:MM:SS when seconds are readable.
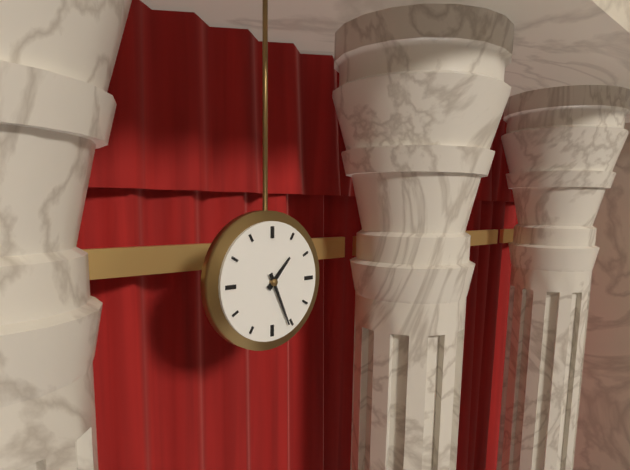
**1:26**
